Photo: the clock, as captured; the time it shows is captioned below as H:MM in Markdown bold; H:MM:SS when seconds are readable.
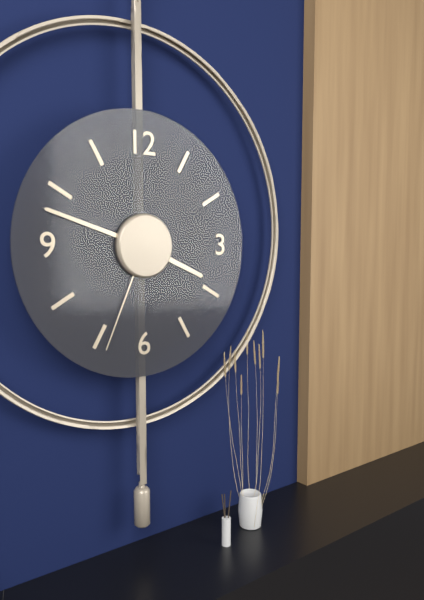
**3:48:34**
